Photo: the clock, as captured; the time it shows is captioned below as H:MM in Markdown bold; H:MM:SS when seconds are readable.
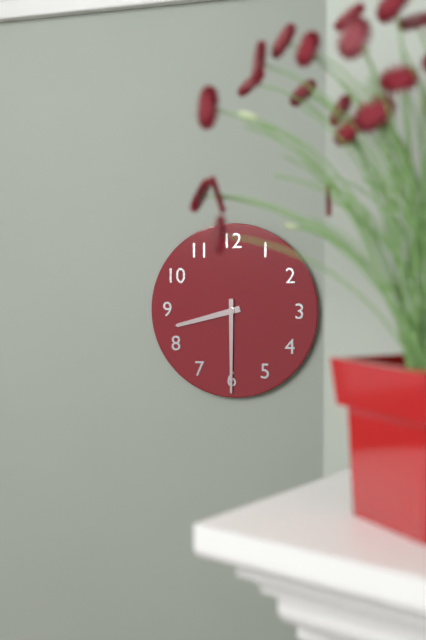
**8:30**
